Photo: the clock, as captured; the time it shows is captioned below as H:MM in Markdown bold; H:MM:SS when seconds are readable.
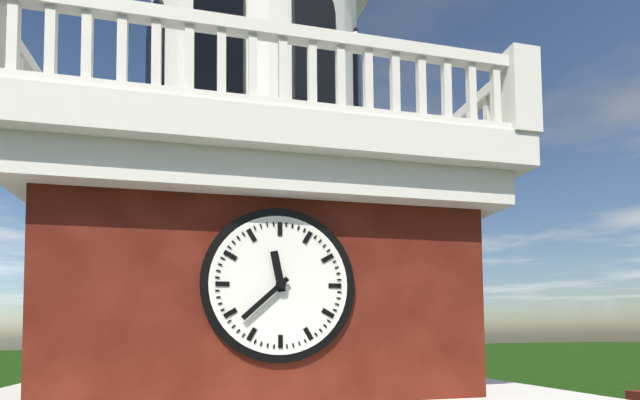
**11:38**
